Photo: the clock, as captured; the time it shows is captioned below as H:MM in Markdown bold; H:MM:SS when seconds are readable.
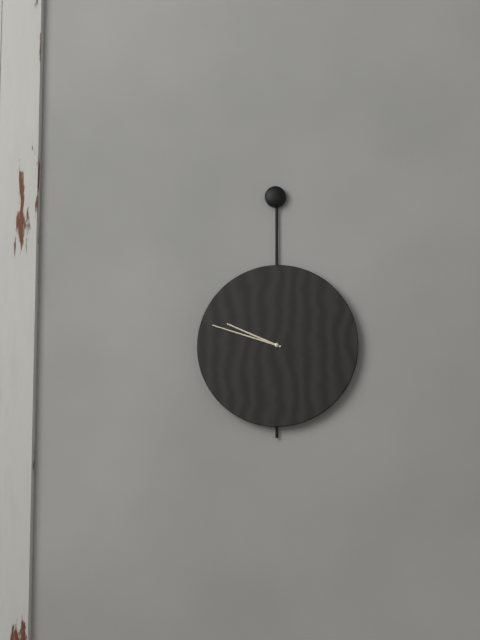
**9:48**
